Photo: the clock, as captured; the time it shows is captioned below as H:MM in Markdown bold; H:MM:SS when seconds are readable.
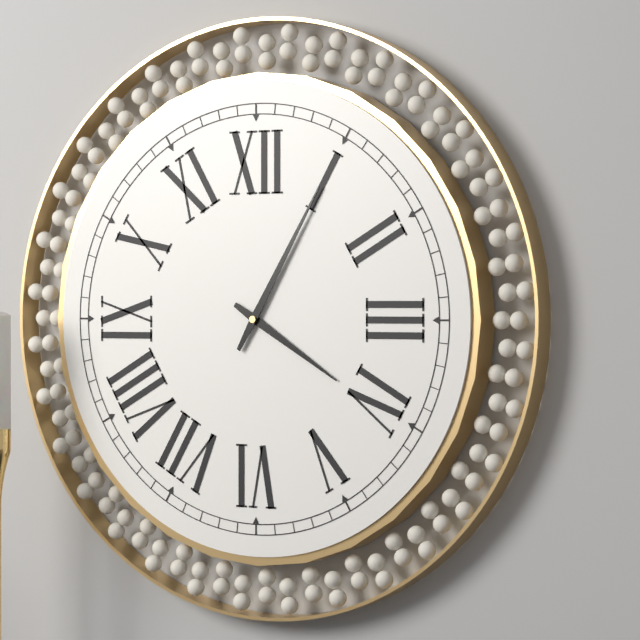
**4:05**
